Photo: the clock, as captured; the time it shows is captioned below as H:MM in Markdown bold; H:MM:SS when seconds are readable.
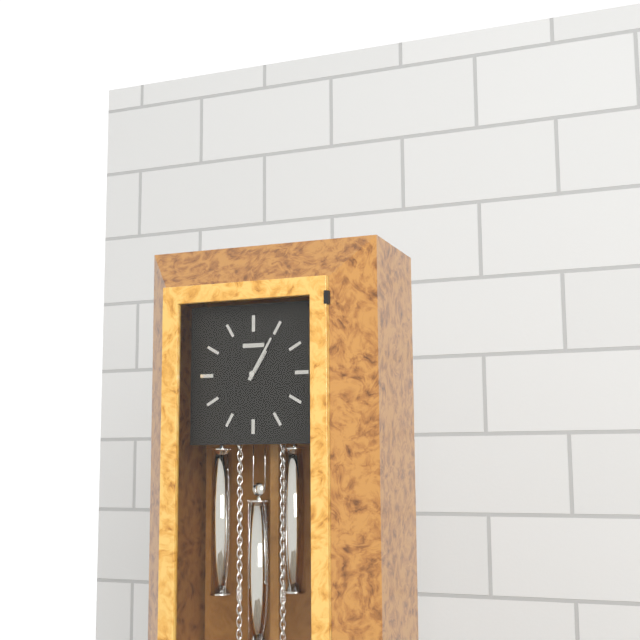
**1:05**
